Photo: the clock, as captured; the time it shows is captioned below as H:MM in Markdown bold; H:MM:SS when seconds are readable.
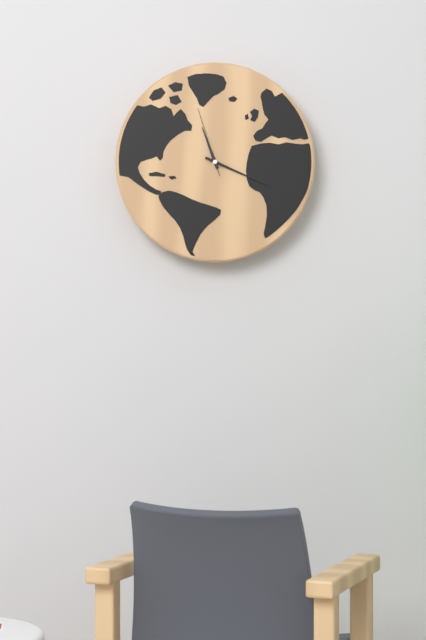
**11:19:57**
